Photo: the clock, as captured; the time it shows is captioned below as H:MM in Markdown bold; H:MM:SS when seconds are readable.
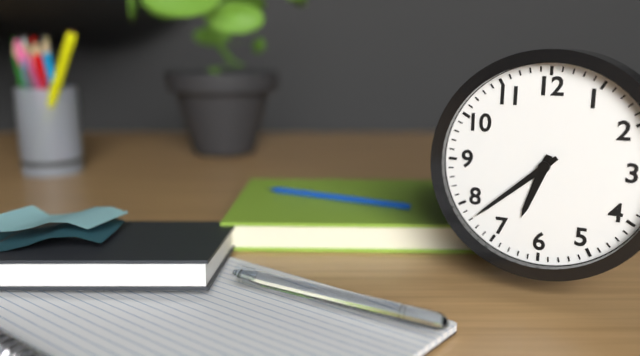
**6:38**
